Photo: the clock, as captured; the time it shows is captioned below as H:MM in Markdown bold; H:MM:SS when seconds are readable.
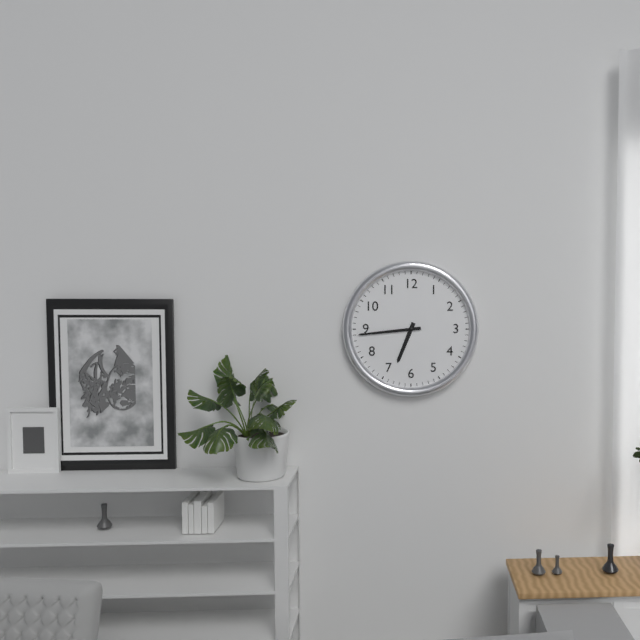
**6:44**
